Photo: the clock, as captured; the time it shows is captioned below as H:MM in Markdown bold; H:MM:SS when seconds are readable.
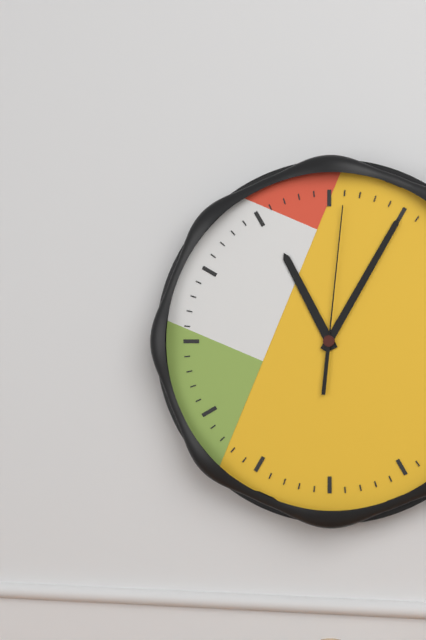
**11:05:01**
